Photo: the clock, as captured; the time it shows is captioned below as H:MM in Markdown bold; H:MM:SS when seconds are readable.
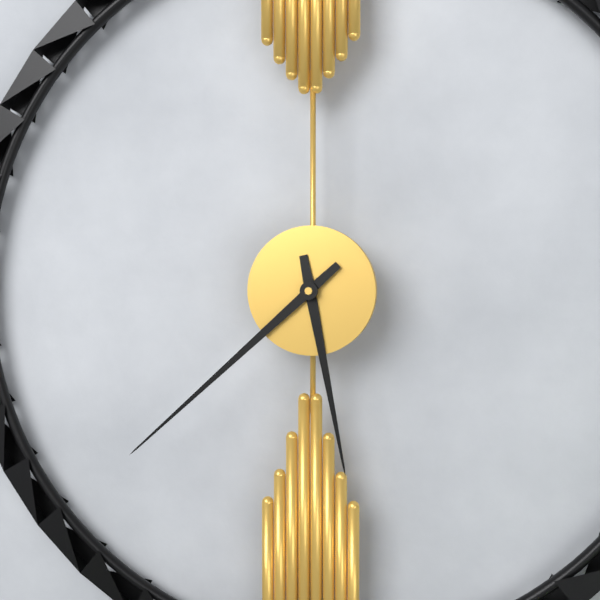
**5:38**
